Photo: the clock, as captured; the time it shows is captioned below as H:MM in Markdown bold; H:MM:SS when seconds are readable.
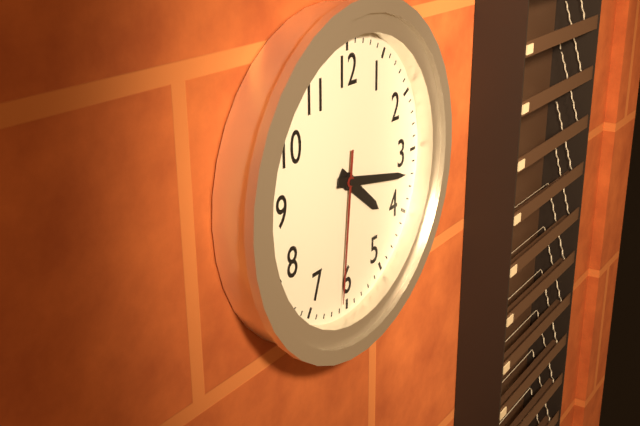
**4:17:31**
